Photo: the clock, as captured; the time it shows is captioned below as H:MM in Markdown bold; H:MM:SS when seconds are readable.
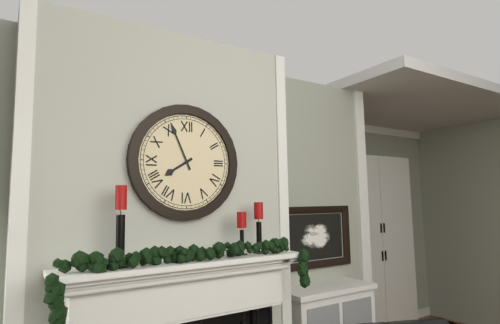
**7:56**
